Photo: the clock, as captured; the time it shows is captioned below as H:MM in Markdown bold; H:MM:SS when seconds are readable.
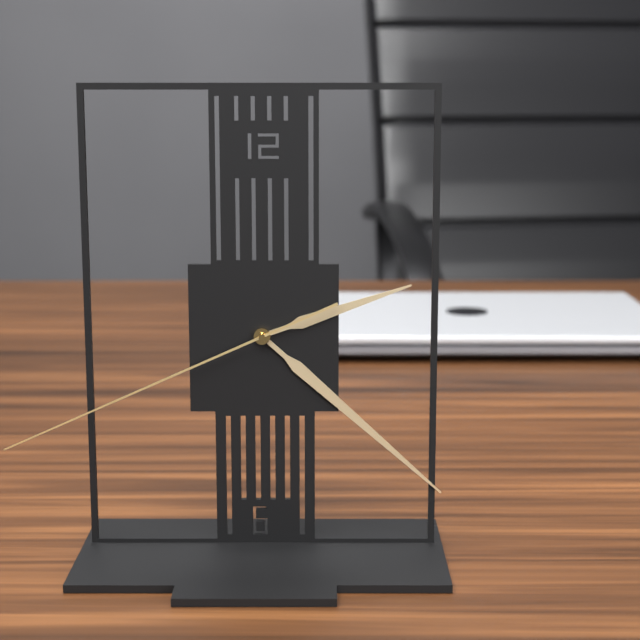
**2:22:41**
